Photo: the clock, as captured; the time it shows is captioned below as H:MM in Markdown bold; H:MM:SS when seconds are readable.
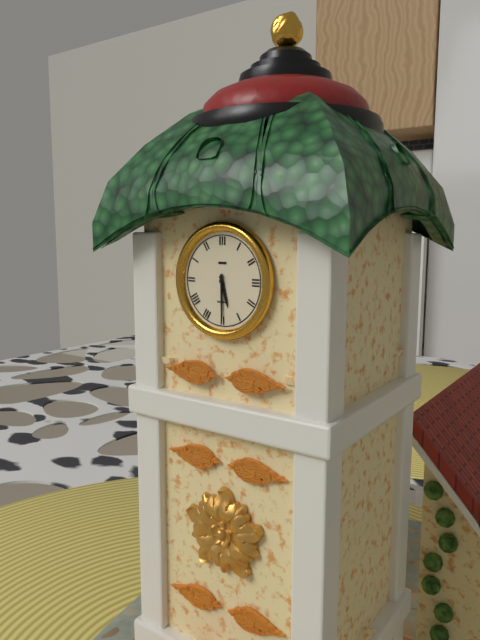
**5:30**
